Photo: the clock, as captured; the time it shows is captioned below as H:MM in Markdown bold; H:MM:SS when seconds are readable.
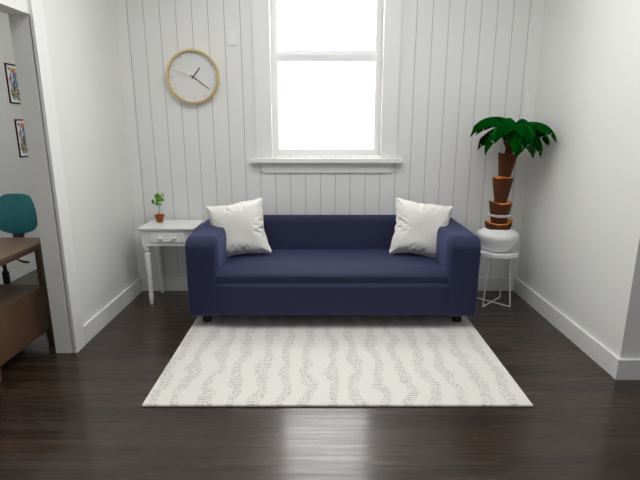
**1:21**
